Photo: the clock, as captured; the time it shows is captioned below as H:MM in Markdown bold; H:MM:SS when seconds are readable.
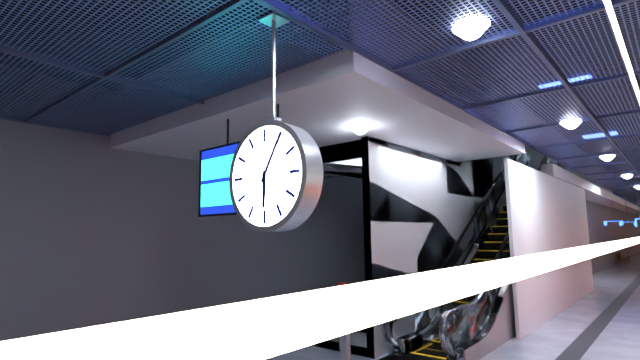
**6:05**
